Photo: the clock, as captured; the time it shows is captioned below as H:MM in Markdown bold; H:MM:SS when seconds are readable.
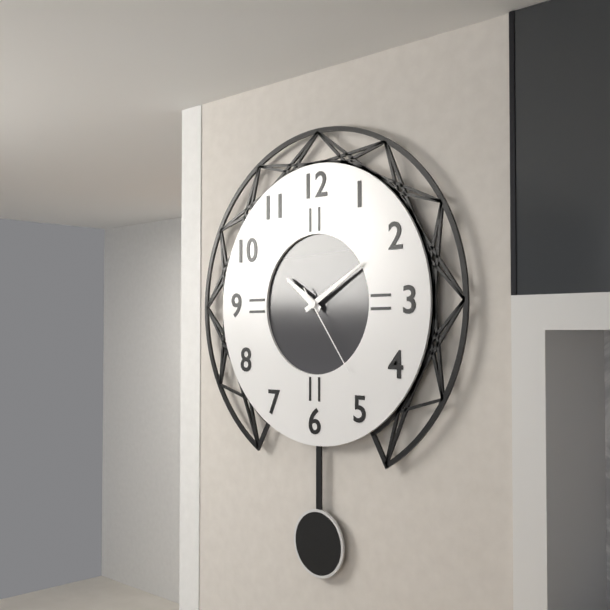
**10:10:24**
